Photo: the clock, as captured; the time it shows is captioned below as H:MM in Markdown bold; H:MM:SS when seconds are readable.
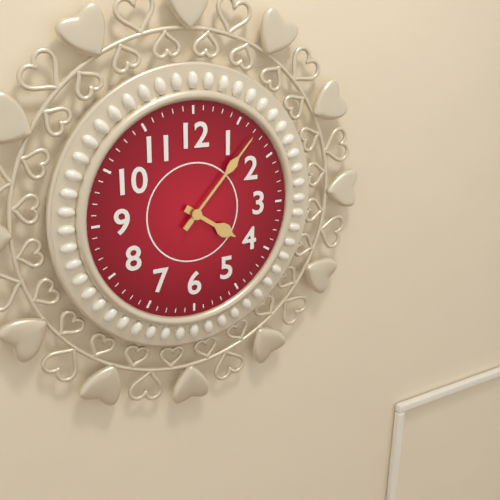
**4:07**
